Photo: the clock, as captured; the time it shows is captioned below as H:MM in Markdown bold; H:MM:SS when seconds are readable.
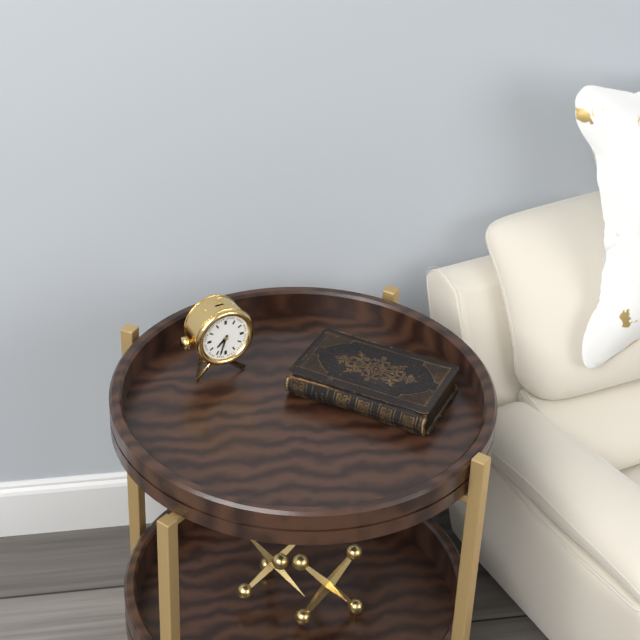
**7:33**
